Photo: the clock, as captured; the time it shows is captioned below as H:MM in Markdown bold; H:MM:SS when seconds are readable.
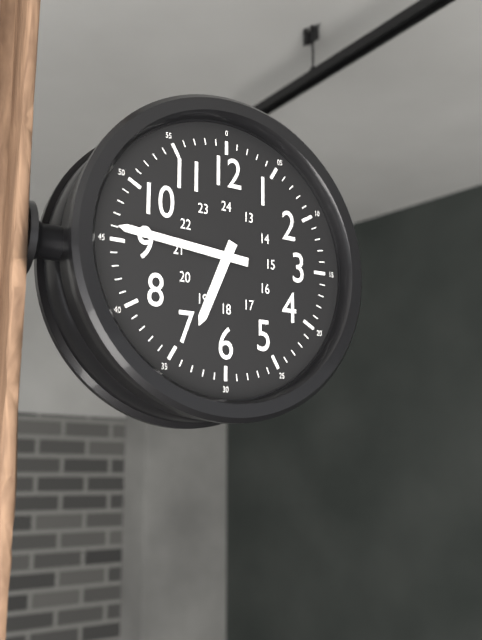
**6:46**
